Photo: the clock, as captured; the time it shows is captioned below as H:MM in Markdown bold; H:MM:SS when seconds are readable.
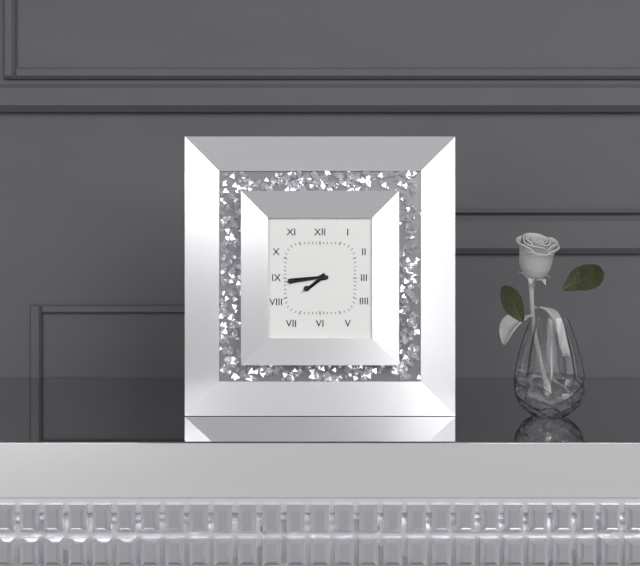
**7:44**
